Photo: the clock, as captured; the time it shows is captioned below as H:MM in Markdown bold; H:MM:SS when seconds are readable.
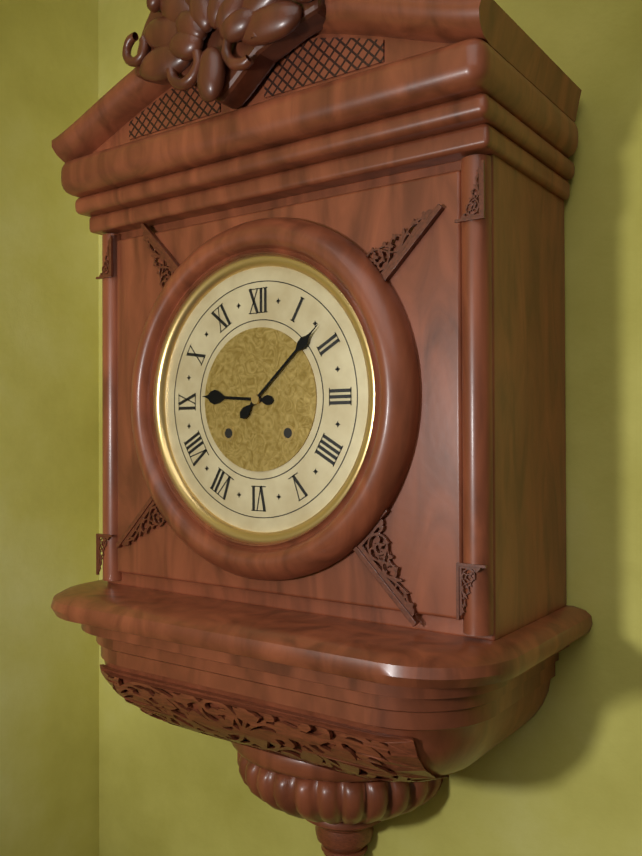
**9:08**
